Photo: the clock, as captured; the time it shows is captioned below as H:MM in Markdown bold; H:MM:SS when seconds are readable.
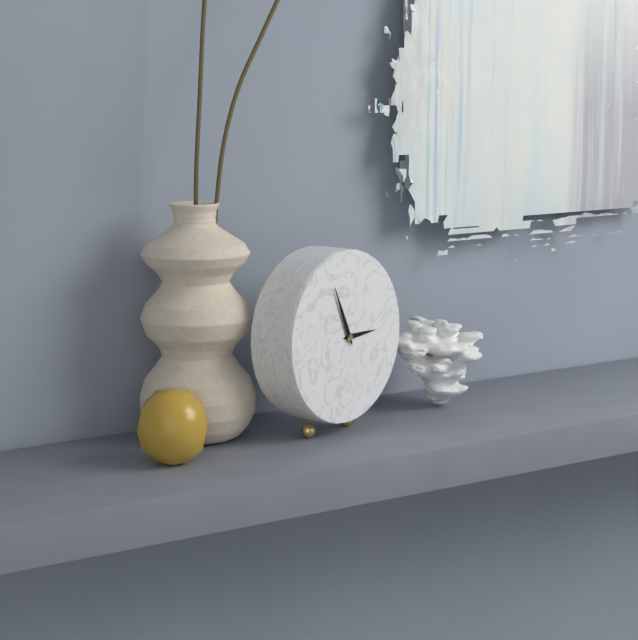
**2:56**
